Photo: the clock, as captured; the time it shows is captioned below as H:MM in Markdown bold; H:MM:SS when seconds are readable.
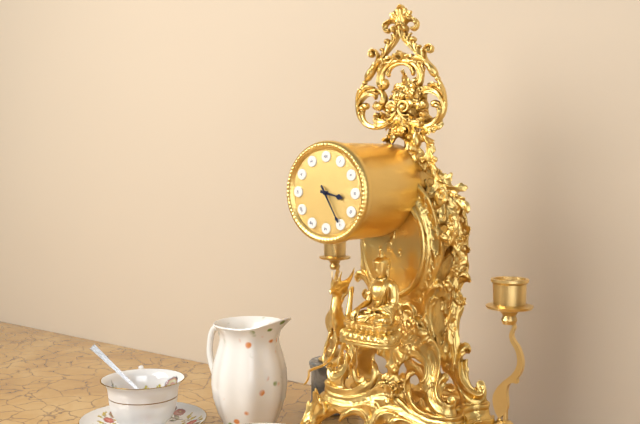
**3:25**
